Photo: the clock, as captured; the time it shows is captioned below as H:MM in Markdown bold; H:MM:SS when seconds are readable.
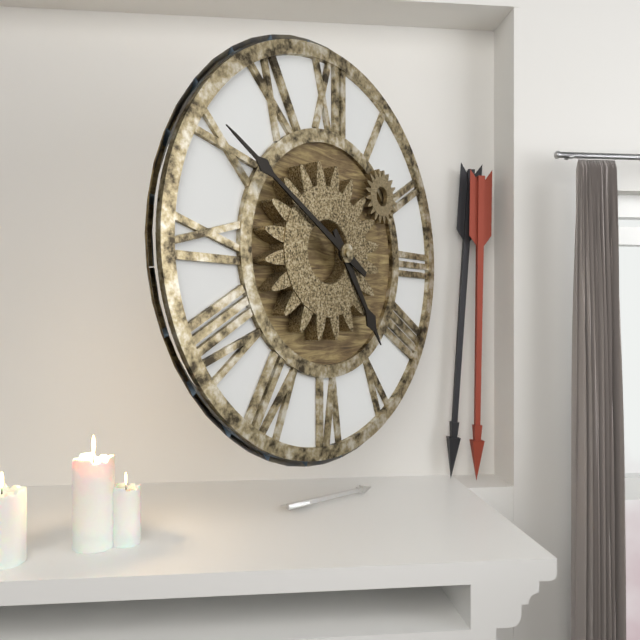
**4:50**
